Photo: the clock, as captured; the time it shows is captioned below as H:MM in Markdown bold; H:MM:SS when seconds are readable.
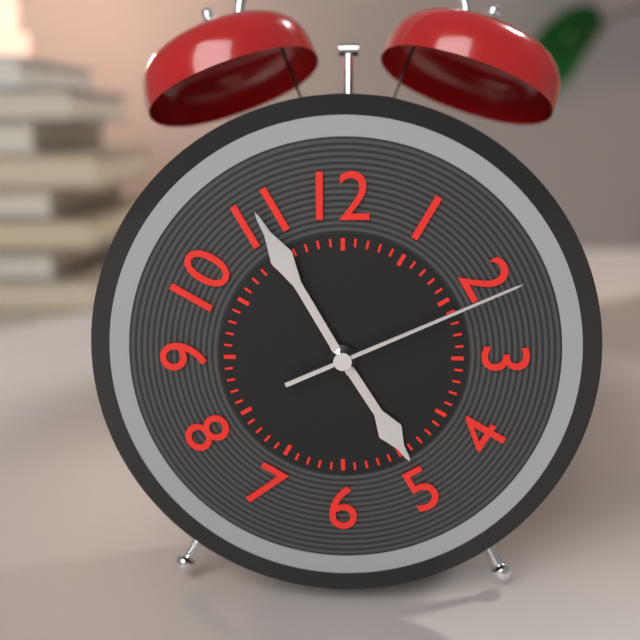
**4:55:11**
